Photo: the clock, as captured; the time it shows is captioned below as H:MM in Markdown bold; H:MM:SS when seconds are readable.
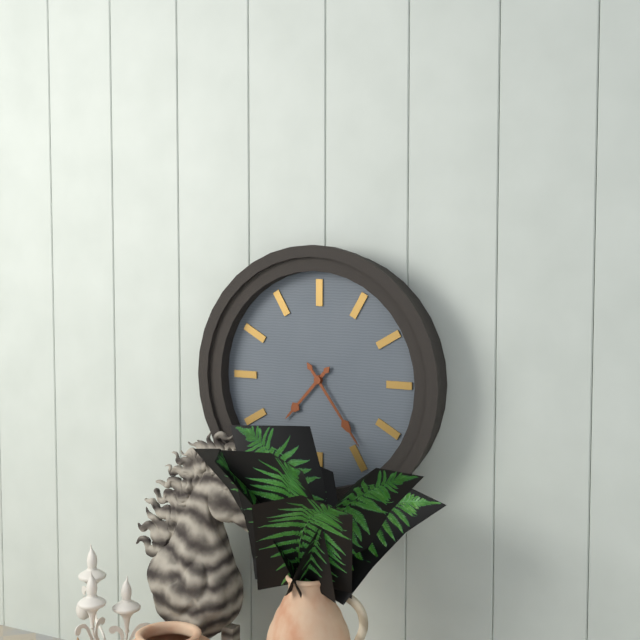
**7:24**
